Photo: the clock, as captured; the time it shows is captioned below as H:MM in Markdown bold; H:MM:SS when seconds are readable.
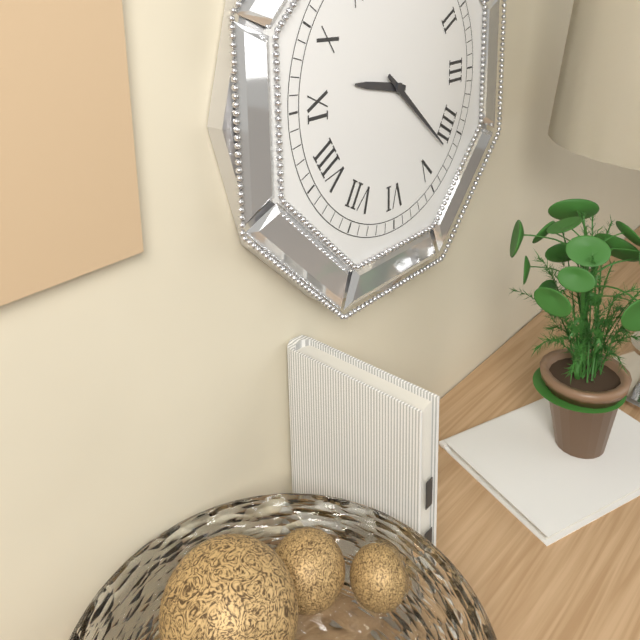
**9:22**
